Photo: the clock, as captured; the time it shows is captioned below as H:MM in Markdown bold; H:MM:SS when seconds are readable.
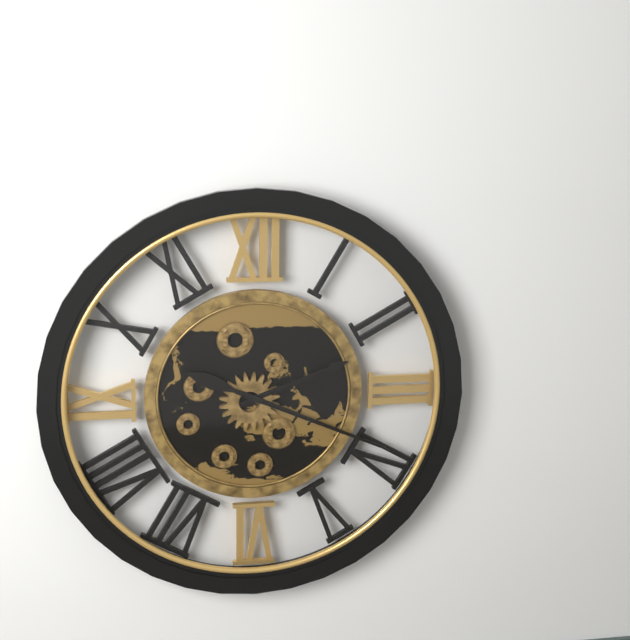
**2:19**
